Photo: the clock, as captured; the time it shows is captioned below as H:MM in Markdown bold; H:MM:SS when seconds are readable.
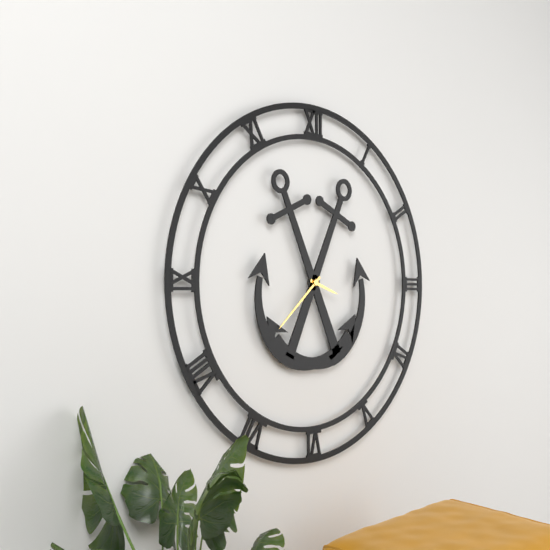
**3:38**
